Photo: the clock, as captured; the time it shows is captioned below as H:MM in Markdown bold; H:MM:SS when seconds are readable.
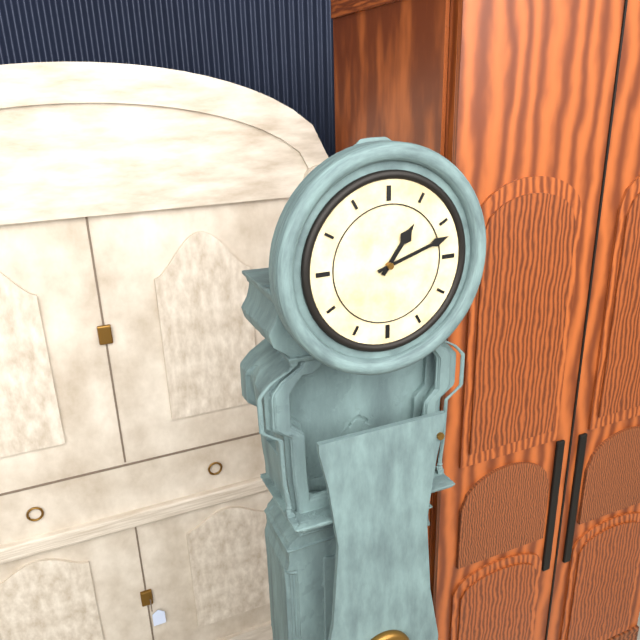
**1:12**
